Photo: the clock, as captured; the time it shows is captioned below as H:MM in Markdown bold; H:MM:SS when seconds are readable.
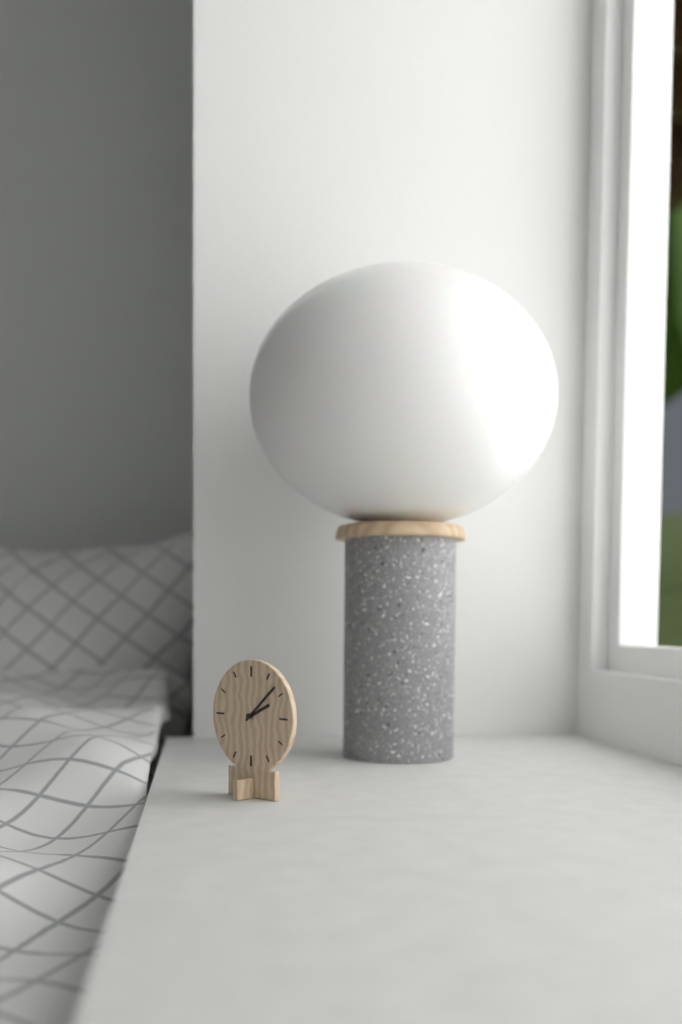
**2:08**
